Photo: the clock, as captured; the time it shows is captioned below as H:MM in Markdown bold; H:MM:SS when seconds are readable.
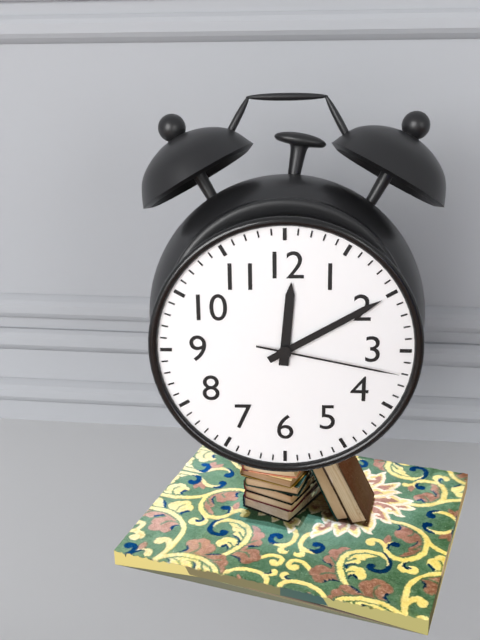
**12:10:17**
